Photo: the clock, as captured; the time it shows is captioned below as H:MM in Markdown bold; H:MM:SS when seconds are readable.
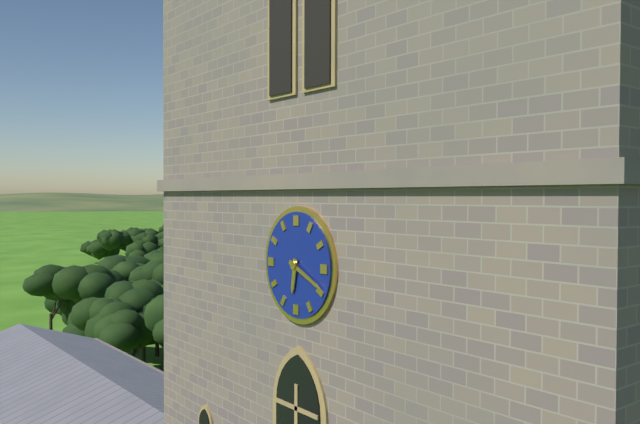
**6:19**
